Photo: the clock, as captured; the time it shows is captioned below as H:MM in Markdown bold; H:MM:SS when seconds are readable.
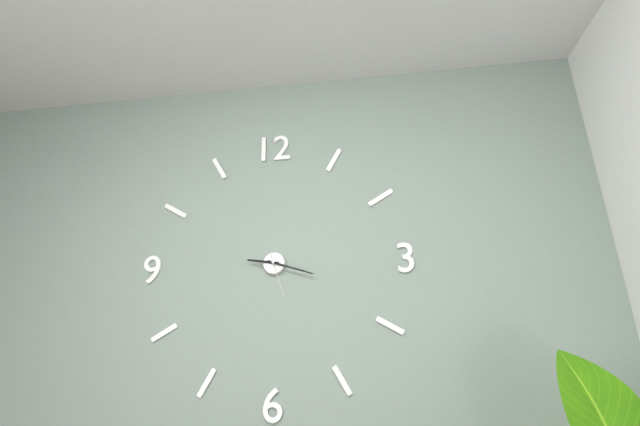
**9:18**
